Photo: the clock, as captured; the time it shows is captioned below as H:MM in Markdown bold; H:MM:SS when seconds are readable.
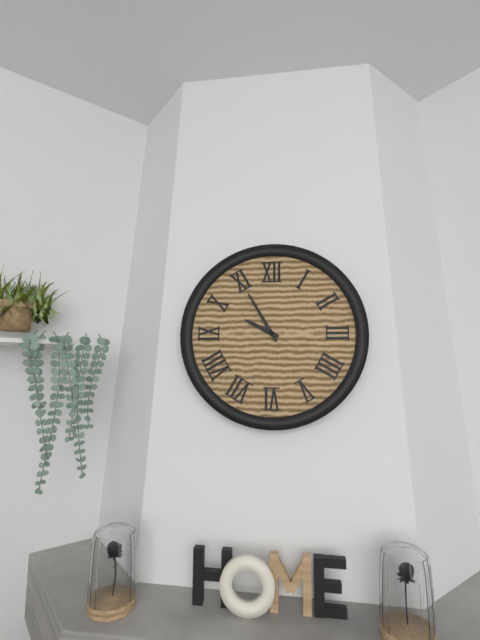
**9:55**
